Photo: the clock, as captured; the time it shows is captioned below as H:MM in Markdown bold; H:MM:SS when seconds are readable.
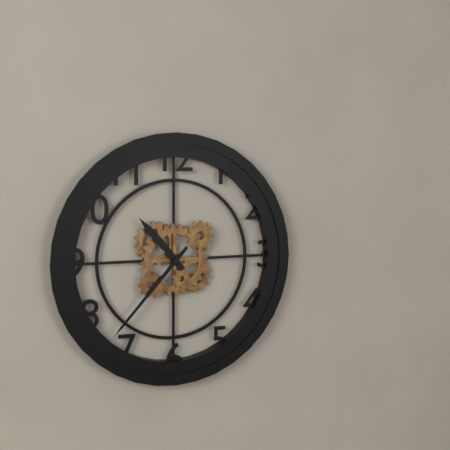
**10:37**
